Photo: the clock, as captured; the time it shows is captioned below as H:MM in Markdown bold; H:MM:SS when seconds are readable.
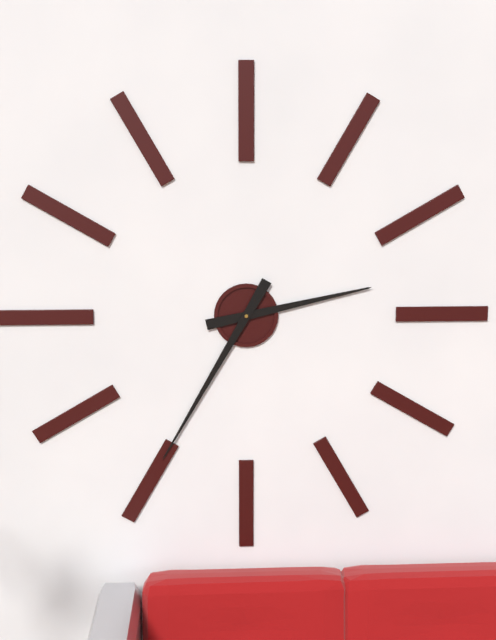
**2:35**
